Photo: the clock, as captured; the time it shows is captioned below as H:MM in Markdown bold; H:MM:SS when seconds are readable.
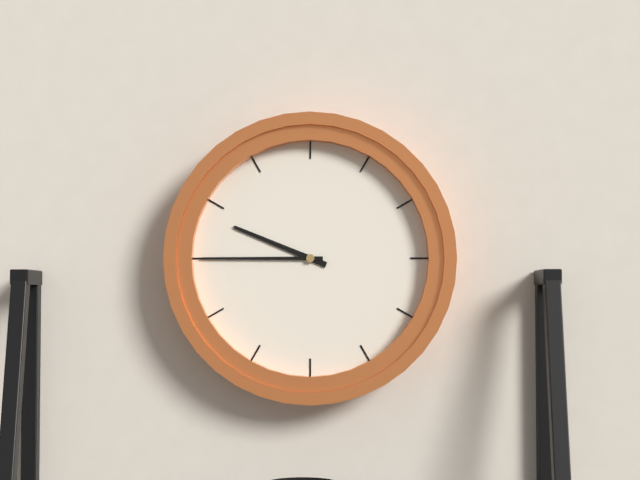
**9:45**
